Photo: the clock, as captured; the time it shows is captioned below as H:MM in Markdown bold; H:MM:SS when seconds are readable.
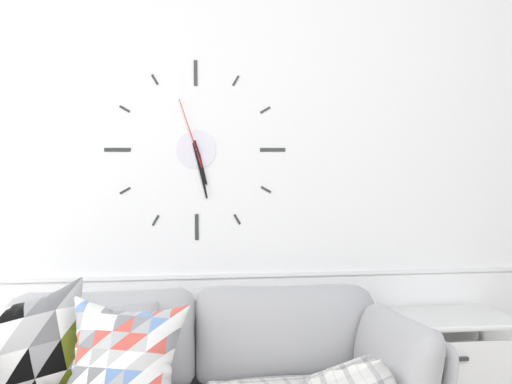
**5:28:57**
